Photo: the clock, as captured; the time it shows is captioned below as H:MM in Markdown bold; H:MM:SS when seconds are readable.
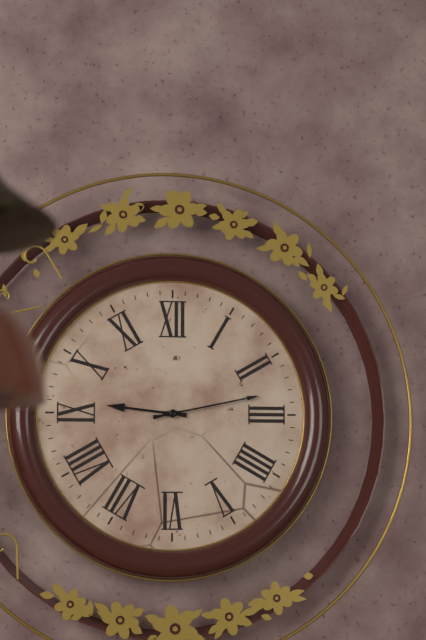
**9:13**
